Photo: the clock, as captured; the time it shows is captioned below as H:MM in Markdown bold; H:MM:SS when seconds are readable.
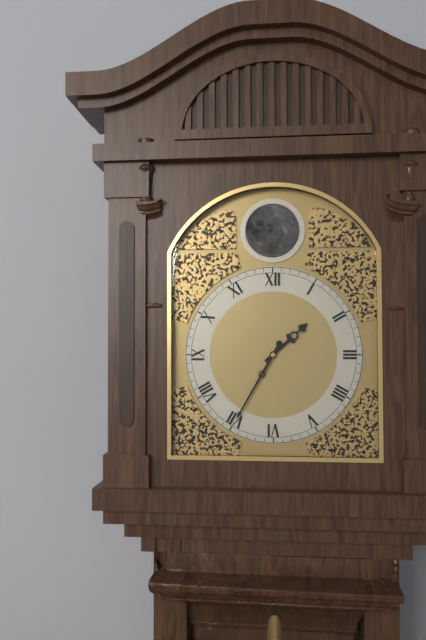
**1:35**
